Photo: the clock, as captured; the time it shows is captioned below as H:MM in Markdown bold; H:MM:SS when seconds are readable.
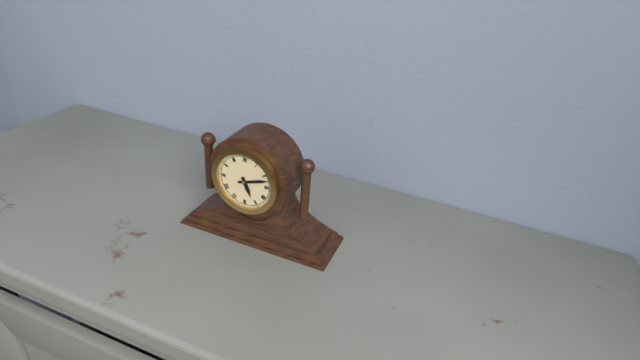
**5:12**
